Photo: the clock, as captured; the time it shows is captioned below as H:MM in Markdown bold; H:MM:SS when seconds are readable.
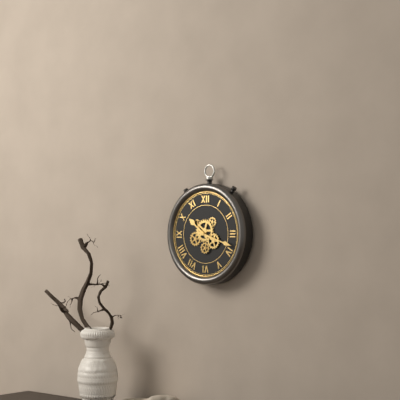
**10:18**
